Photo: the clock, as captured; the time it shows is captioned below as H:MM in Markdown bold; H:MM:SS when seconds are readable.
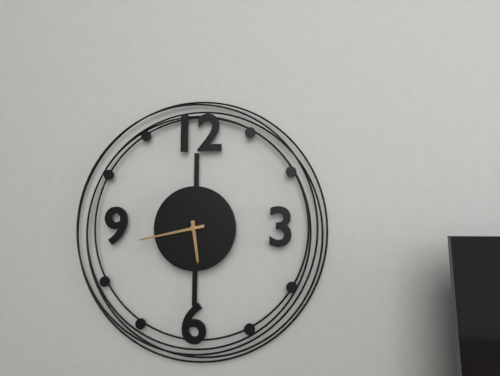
**5:43**
